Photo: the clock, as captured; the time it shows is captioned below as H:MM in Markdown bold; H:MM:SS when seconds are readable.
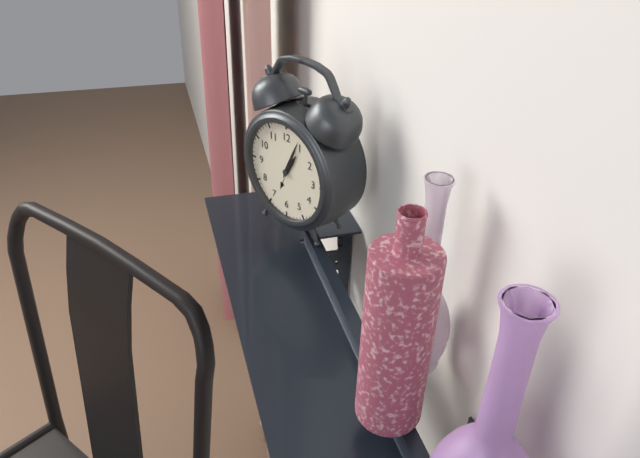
**1:04**
